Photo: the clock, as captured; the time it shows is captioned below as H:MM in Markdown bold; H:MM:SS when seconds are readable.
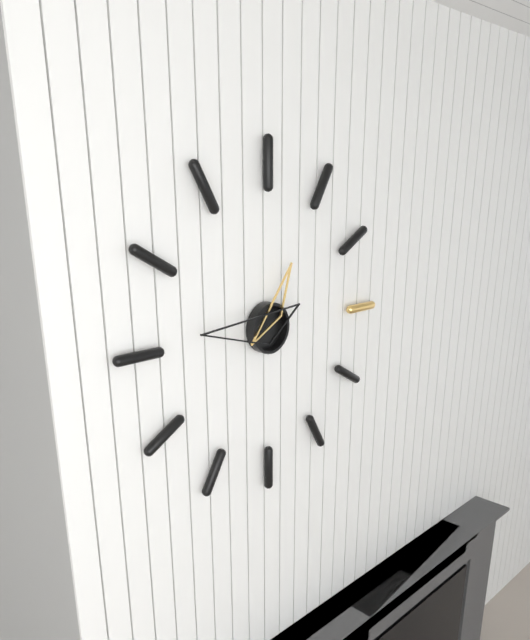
**12:46**
